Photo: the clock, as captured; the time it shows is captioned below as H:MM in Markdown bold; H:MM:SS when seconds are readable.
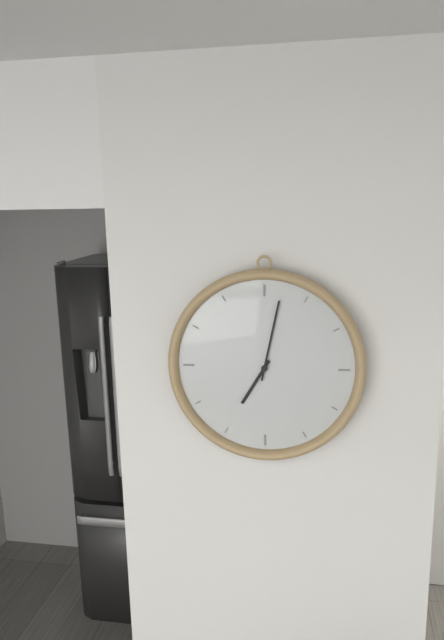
**7:02**
